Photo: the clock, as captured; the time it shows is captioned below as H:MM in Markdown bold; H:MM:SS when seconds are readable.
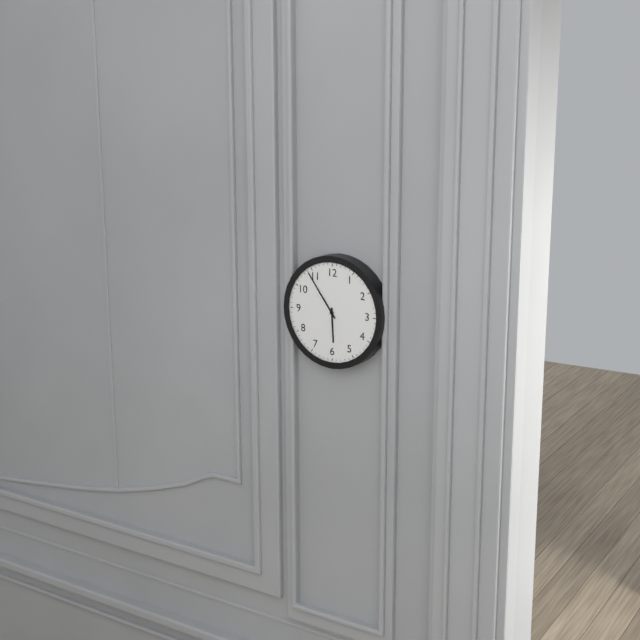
**5:54**
